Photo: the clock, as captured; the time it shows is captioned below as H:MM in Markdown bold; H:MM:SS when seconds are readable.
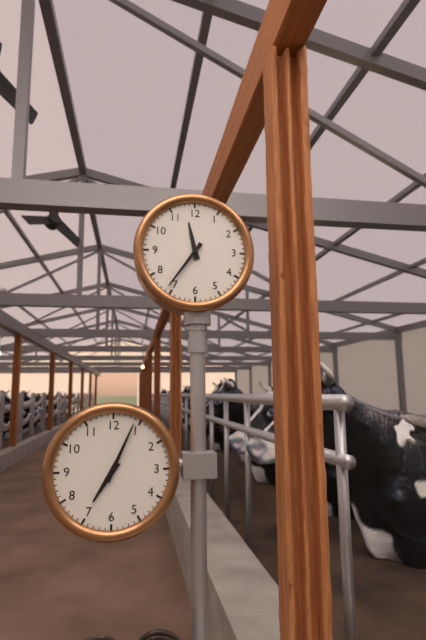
**11:36**
